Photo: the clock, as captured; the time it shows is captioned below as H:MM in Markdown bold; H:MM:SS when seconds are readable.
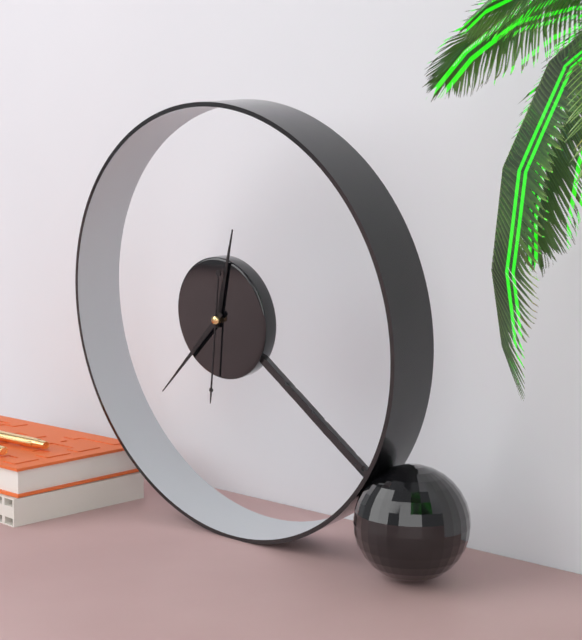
**12:38:32**
